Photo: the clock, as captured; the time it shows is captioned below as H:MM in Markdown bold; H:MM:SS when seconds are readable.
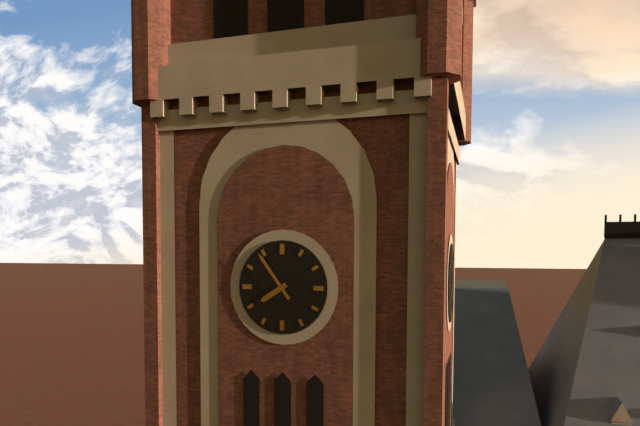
**7:54**
